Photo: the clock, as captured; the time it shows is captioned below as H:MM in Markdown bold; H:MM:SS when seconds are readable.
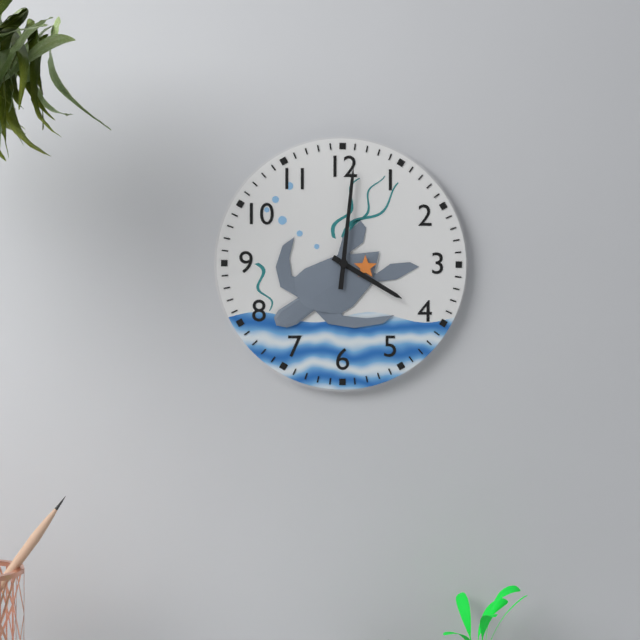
**4:01**
